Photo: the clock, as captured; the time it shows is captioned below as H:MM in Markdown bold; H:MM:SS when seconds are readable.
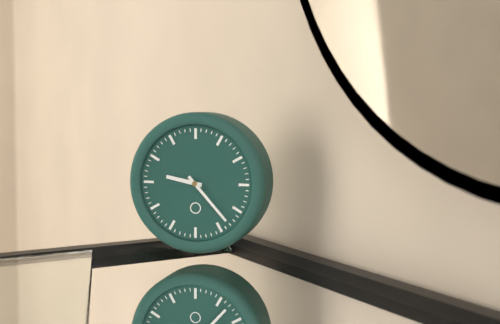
**9:23**
